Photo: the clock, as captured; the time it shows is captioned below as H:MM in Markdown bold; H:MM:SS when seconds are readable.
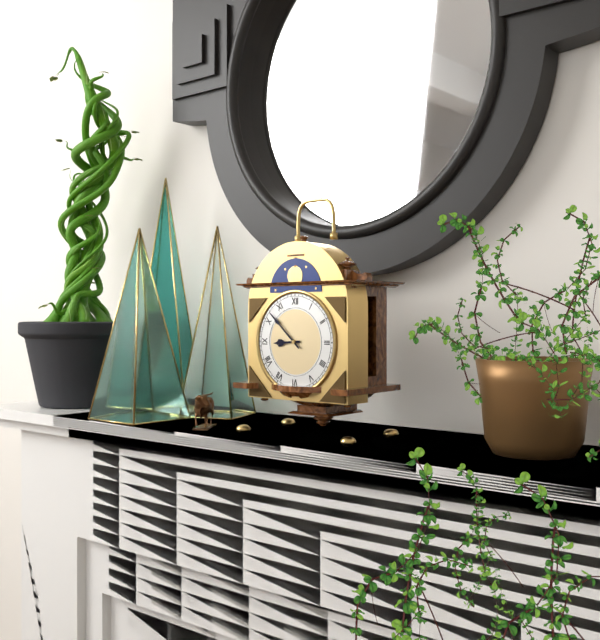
**8:52**
